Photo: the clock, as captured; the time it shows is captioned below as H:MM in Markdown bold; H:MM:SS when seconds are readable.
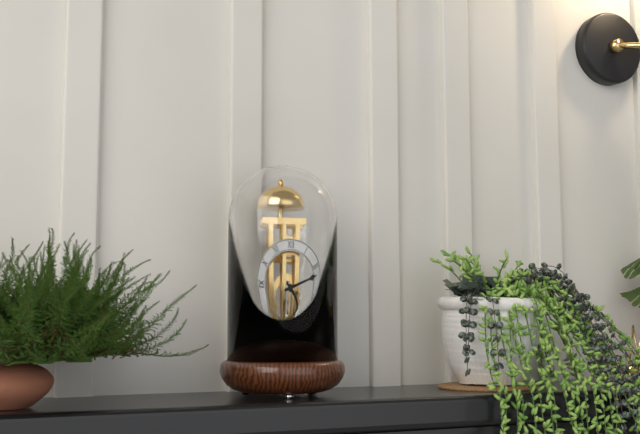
**4:12**
